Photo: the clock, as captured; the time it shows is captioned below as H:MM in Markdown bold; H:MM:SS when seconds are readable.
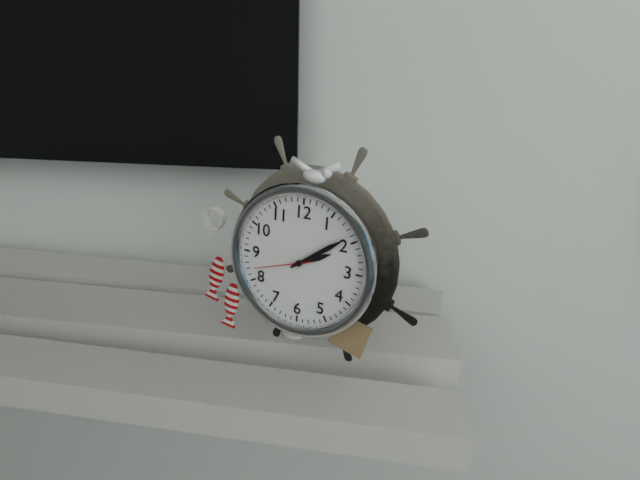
**2:09:42**
